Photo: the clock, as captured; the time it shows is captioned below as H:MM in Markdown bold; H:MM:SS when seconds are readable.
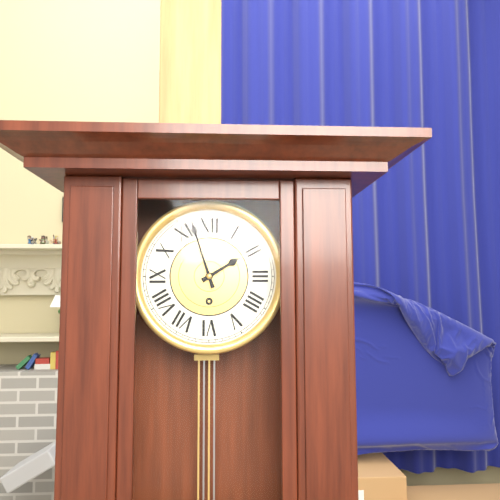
**1:57**
